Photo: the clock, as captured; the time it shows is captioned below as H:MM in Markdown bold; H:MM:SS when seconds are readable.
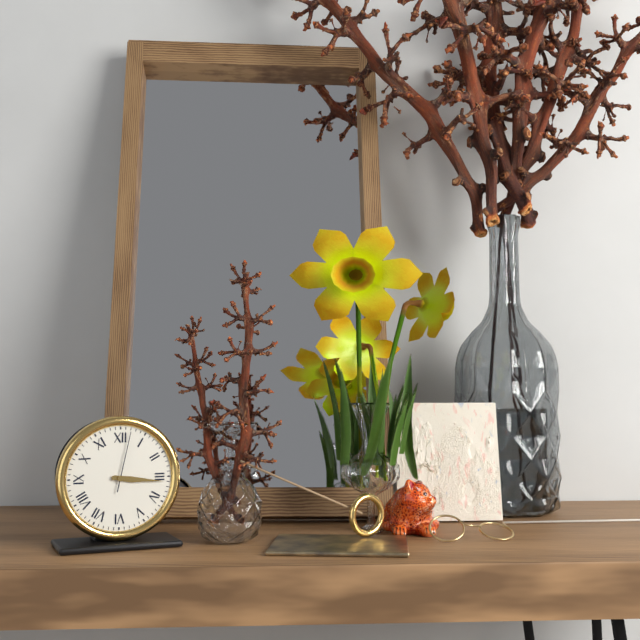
**3:16:02**
